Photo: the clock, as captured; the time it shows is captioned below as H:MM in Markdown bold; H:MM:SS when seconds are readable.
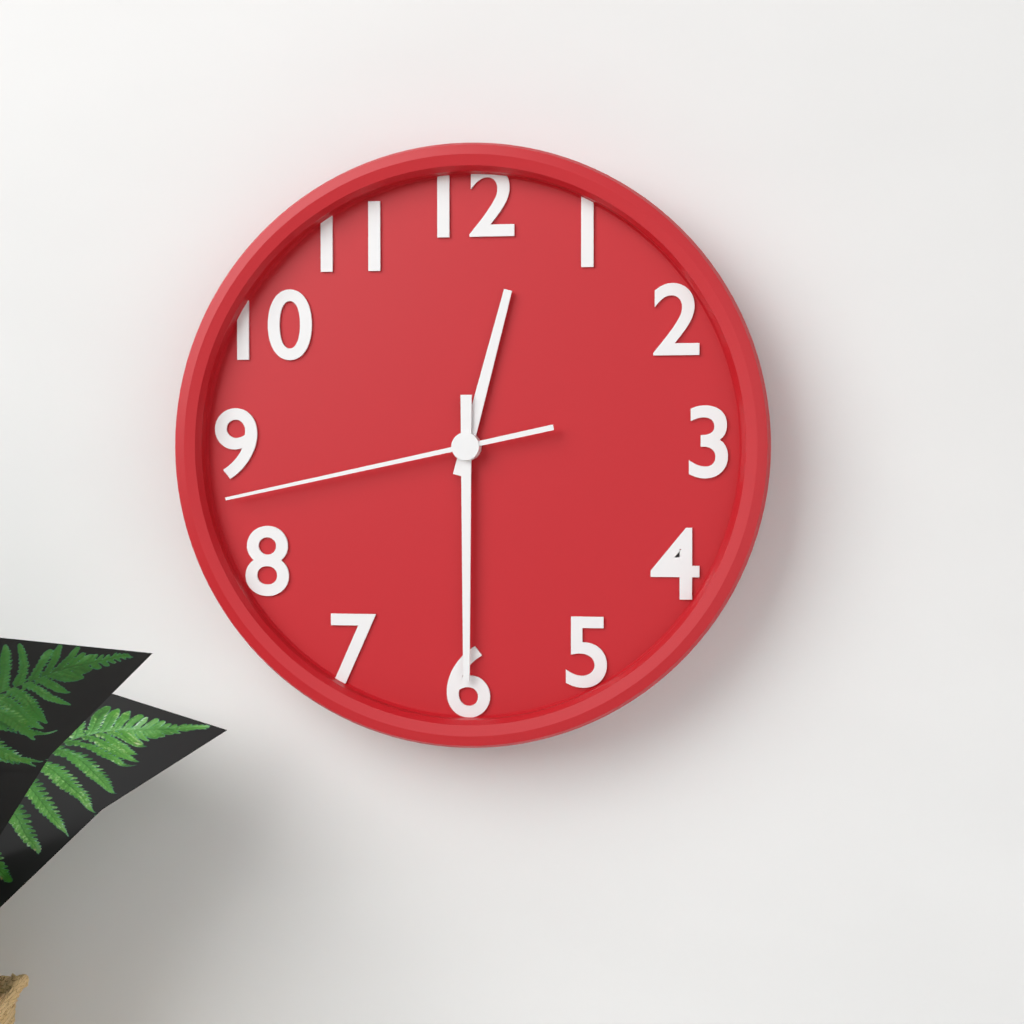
**12:30:43**
